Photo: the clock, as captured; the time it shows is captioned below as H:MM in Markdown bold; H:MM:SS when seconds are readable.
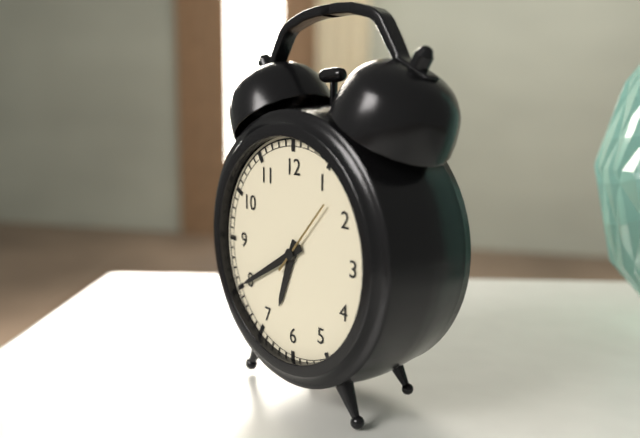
**6:40:07**
